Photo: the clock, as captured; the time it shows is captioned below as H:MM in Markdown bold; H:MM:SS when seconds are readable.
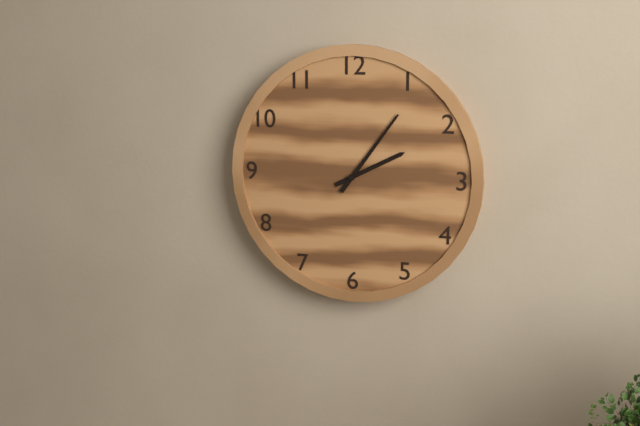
**2:06**
